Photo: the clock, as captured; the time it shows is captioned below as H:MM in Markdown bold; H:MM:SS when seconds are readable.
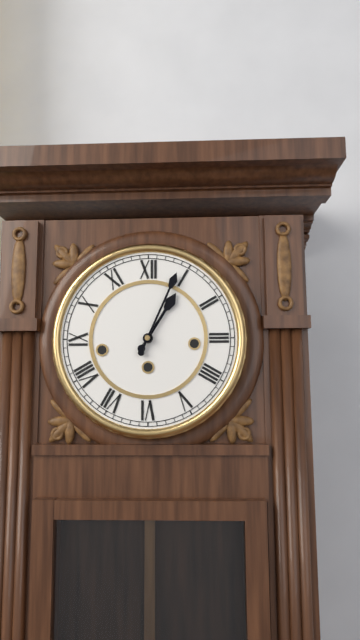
**1:04**
